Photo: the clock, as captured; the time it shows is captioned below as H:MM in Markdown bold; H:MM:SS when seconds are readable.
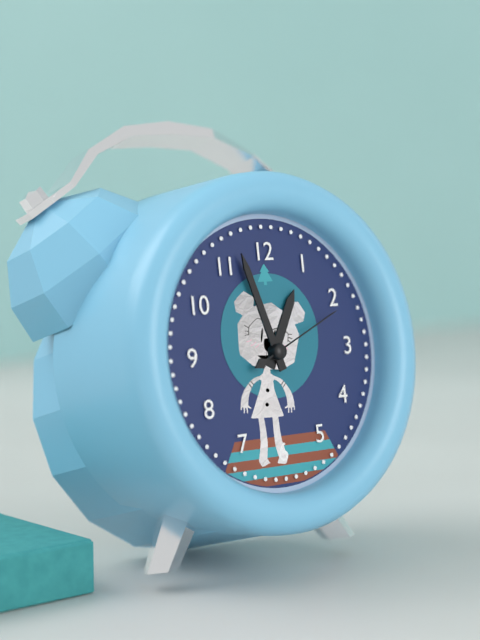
**12:57:11**
